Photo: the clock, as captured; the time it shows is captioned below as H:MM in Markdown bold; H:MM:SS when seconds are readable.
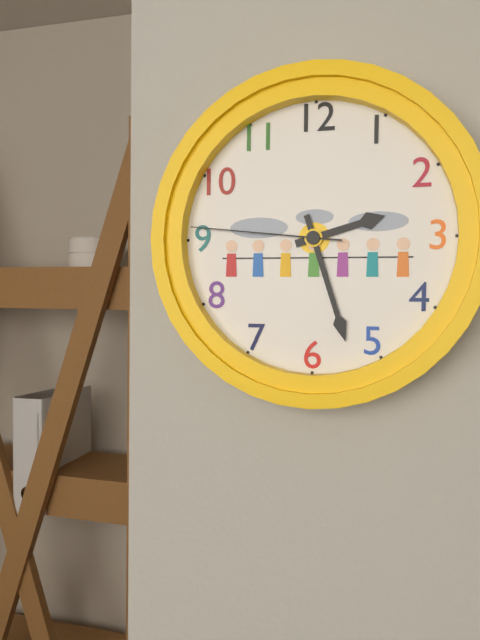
**2:27:46**
